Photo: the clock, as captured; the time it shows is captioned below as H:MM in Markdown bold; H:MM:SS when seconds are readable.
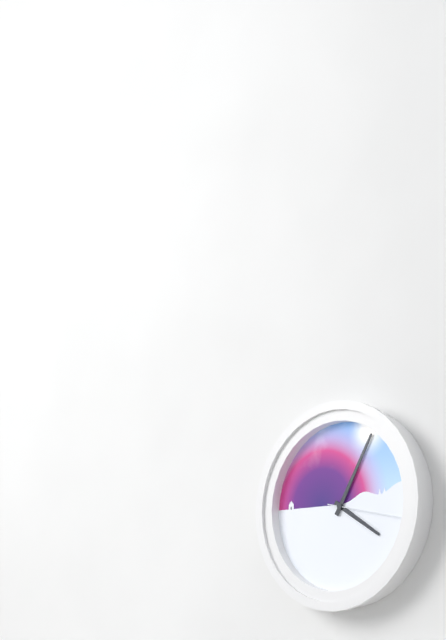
**4:05:17**
